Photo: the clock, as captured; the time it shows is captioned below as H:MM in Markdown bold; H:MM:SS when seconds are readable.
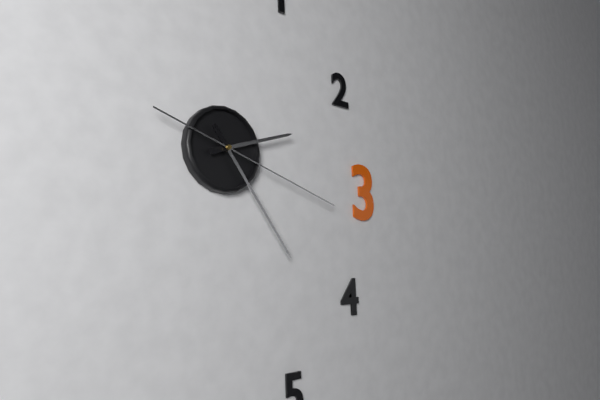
**2:24:18**
